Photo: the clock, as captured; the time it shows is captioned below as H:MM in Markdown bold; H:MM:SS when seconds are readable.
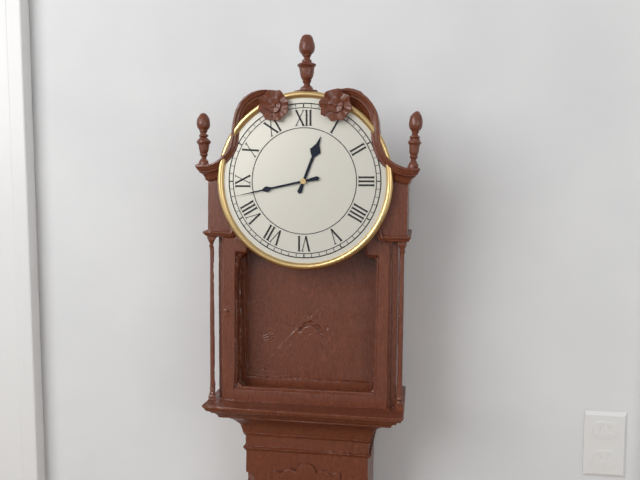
**12:43**
